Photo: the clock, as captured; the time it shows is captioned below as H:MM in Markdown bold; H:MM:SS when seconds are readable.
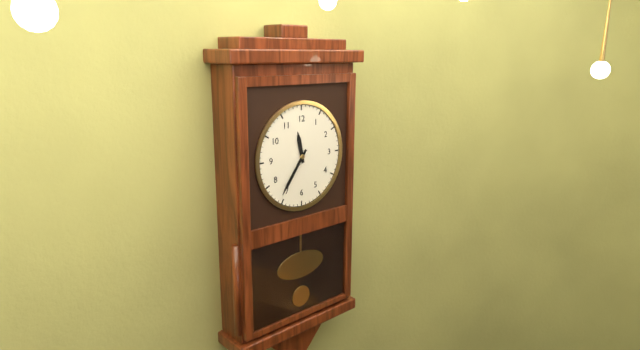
**11:36**
